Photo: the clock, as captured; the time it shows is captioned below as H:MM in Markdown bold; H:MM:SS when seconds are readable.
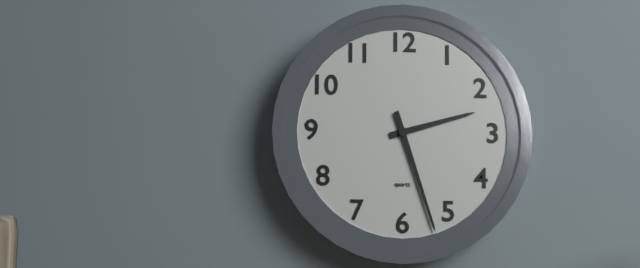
**2:27**
